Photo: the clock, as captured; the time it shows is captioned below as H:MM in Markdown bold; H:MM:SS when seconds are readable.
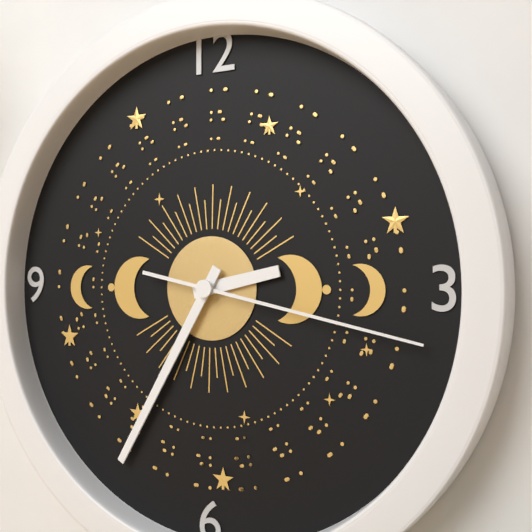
**2:35:17**
